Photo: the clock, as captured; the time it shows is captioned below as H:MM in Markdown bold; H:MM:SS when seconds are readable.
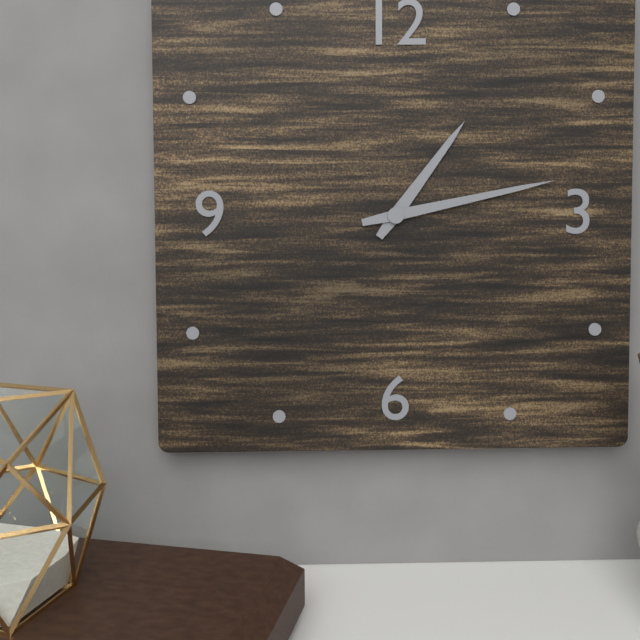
**1:13**
